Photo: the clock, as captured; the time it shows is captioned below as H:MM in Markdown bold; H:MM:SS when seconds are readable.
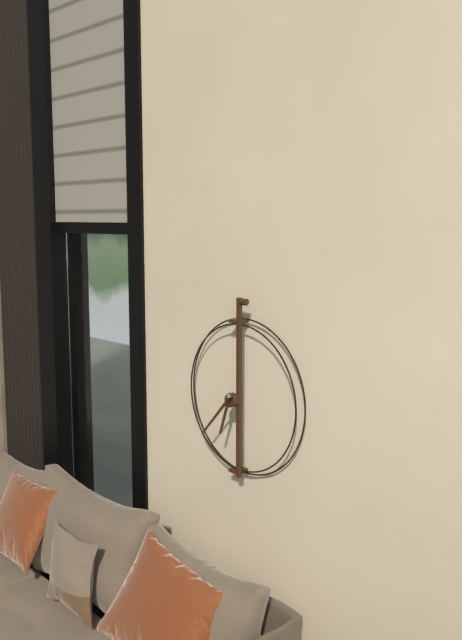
**6:37**
